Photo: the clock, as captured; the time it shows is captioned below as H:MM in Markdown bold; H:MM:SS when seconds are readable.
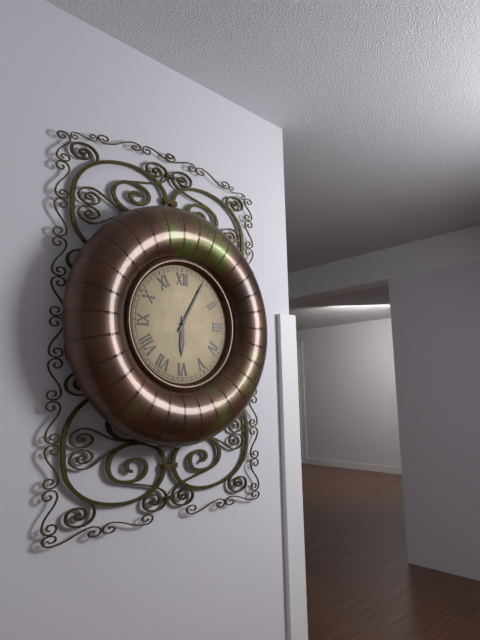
**6:05**
